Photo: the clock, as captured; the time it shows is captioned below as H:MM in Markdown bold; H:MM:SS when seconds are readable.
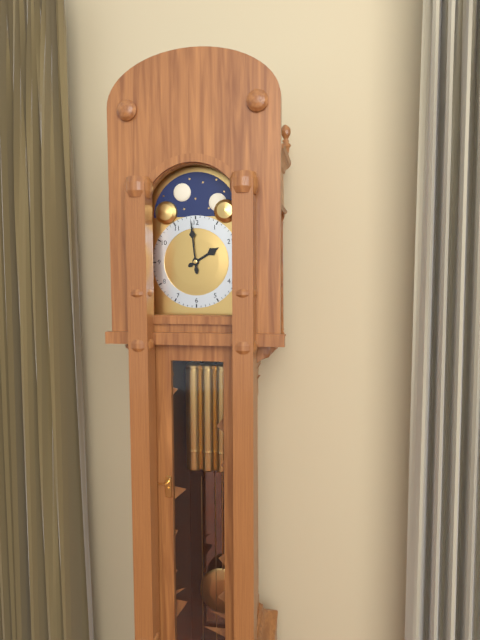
**1:59**
